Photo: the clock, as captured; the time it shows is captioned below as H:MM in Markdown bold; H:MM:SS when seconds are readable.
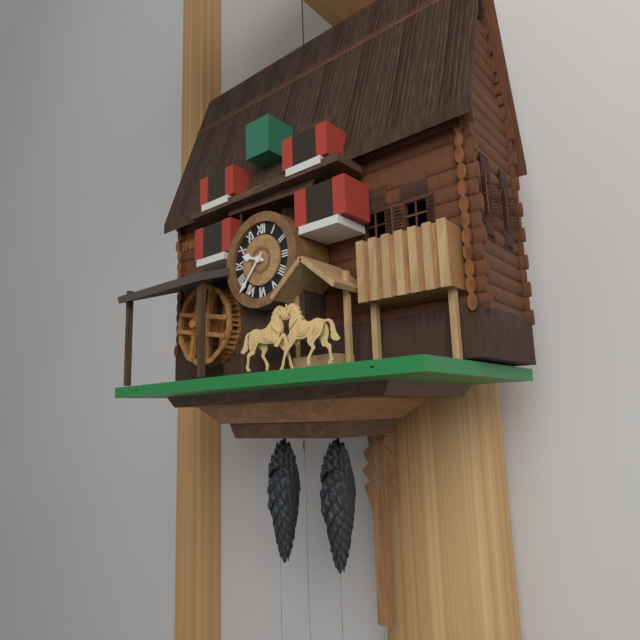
**9:37**
